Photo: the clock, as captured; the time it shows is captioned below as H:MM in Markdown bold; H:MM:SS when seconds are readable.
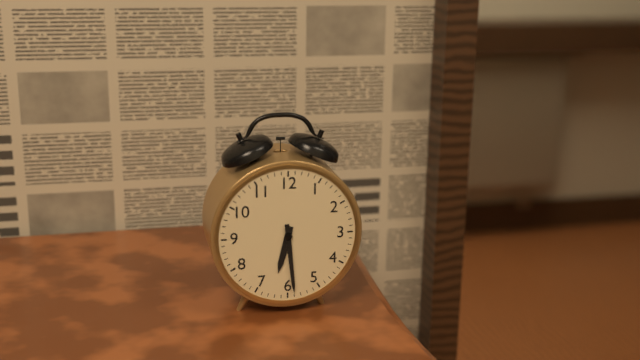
**6:29**
